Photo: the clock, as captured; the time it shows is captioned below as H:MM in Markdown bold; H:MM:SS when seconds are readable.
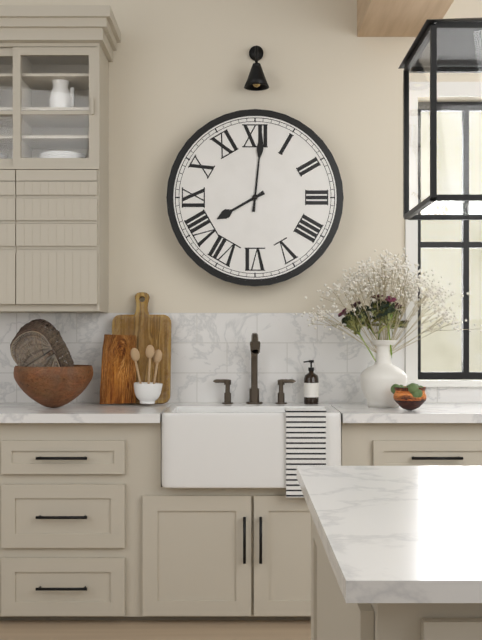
**8:01**
